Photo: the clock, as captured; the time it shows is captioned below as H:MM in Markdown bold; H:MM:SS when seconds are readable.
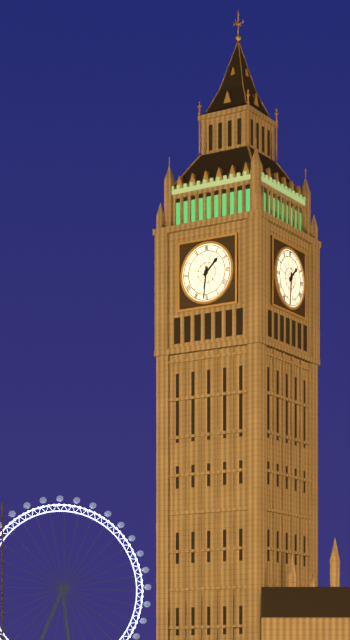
**1:31**
